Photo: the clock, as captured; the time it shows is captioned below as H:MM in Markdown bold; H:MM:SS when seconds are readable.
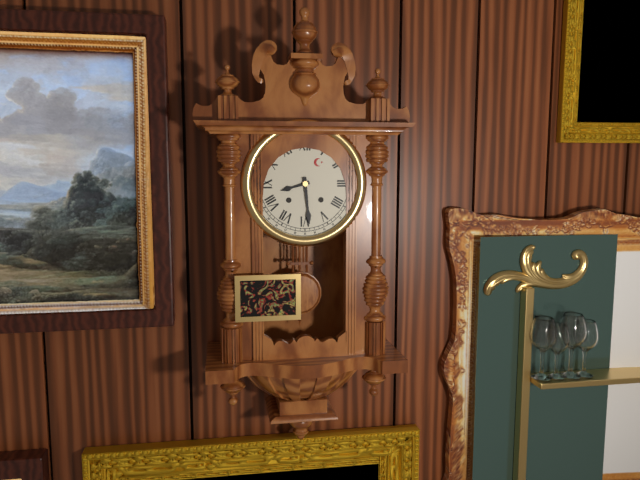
**8:29**
